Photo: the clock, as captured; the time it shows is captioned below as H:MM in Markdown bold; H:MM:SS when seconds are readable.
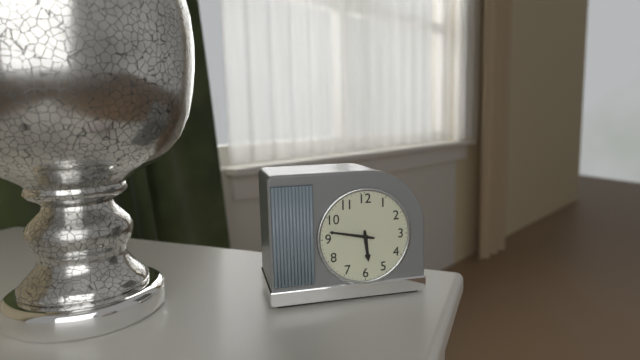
**5:47**
